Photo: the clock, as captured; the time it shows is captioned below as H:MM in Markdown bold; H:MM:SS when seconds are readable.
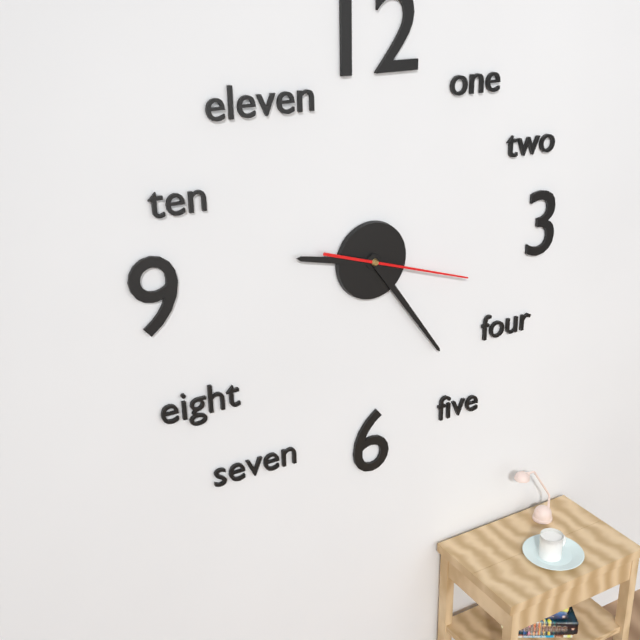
**9:24:18**
